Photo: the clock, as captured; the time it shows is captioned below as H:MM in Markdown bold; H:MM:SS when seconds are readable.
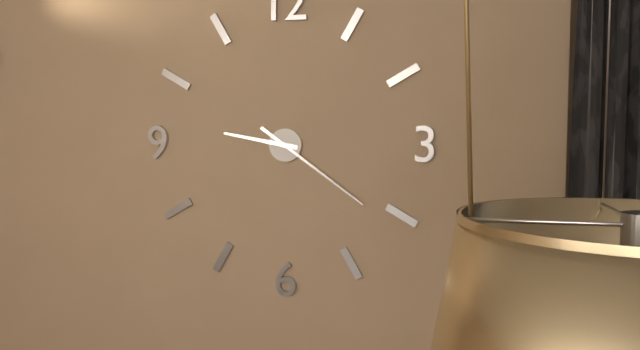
**9:21**
